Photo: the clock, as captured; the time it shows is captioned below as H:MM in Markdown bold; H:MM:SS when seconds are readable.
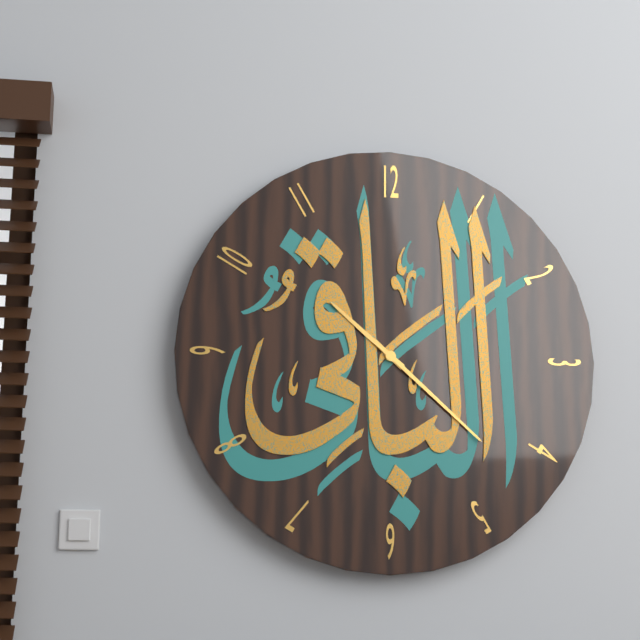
**10:22**
